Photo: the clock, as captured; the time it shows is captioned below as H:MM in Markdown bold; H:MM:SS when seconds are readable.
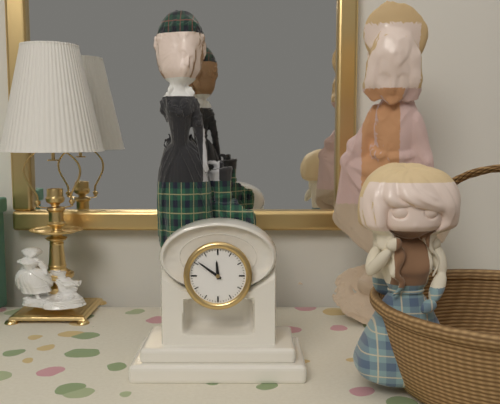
**11:51**
